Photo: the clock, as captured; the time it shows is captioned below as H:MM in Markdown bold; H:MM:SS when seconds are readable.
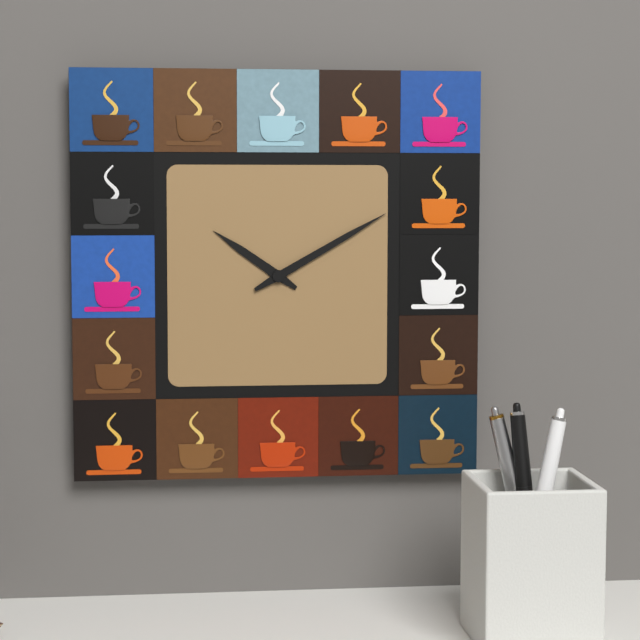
**10:10**
